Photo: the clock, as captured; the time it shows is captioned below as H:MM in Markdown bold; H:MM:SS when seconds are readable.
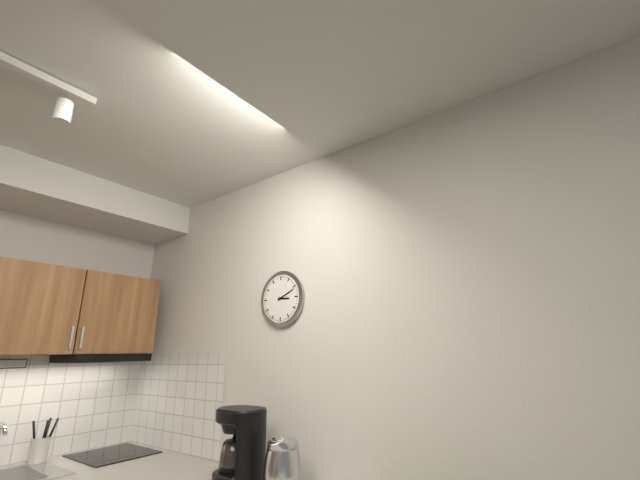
**3:11**
